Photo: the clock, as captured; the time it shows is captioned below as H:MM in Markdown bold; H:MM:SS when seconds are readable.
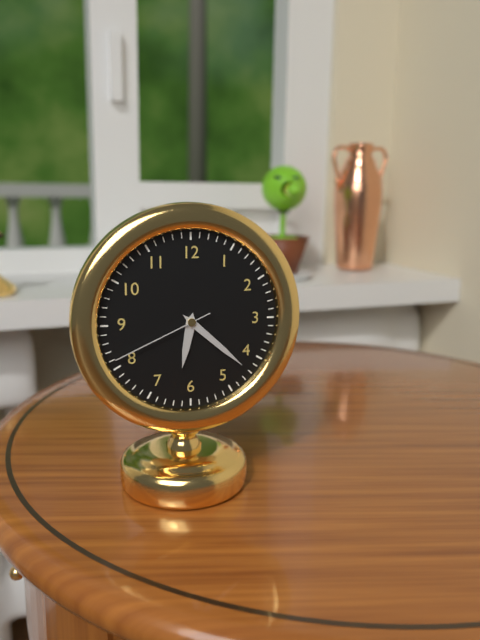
**6:22:41**
